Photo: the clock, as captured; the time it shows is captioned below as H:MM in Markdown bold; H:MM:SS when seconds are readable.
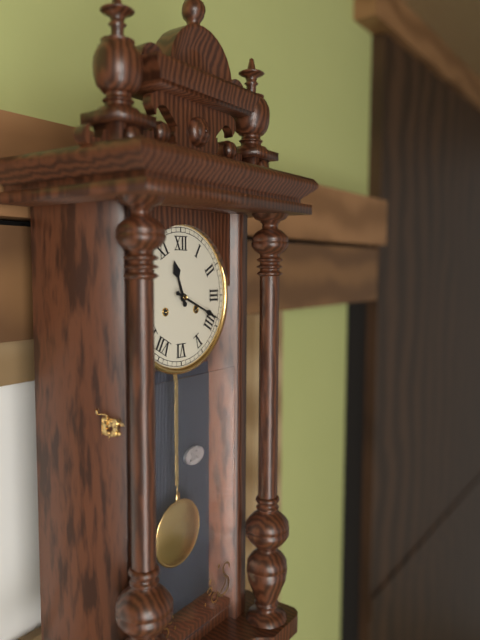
**11:19**
